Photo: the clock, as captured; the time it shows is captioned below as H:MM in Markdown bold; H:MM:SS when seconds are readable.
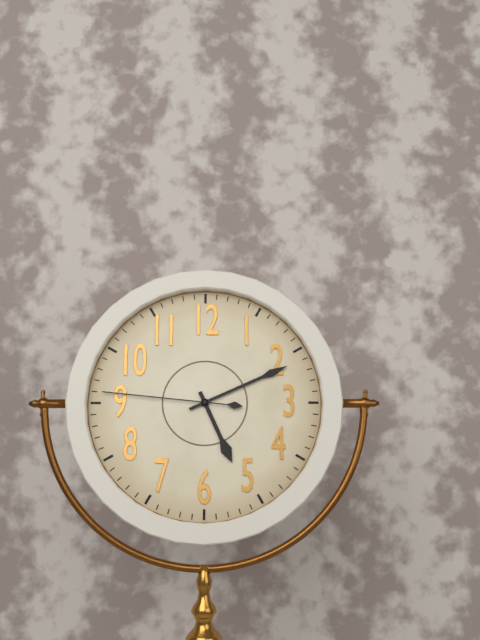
**5:11:46**
